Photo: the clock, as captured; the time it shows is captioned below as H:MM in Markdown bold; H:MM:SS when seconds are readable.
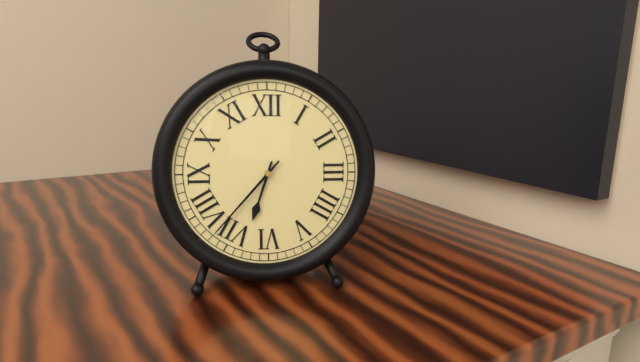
**6:37**
